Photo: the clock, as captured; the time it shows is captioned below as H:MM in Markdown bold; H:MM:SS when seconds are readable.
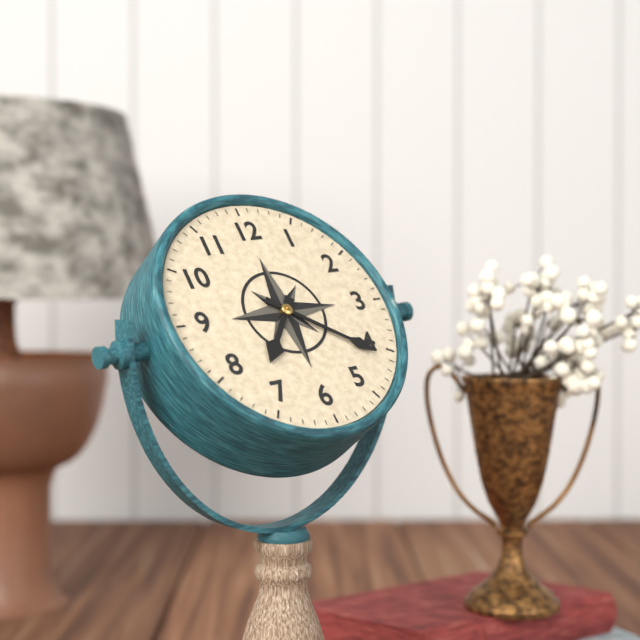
**7:21**
